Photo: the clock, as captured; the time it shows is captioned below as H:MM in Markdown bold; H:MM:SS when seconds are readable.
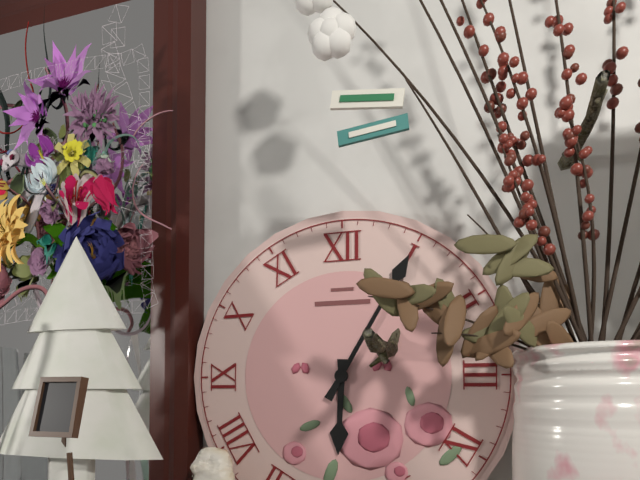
**6:05**
